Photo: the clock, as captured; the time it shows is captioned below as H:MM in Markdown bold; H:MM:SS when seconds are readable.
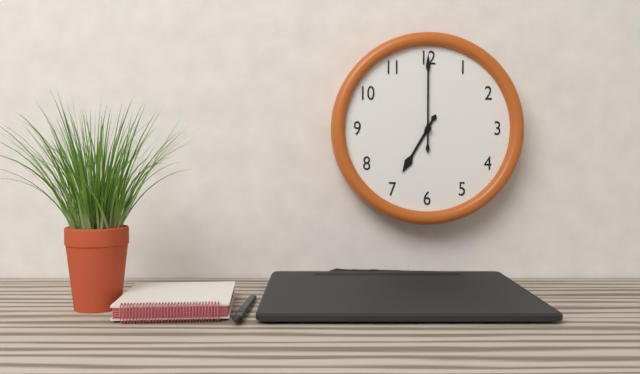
**7:00**
